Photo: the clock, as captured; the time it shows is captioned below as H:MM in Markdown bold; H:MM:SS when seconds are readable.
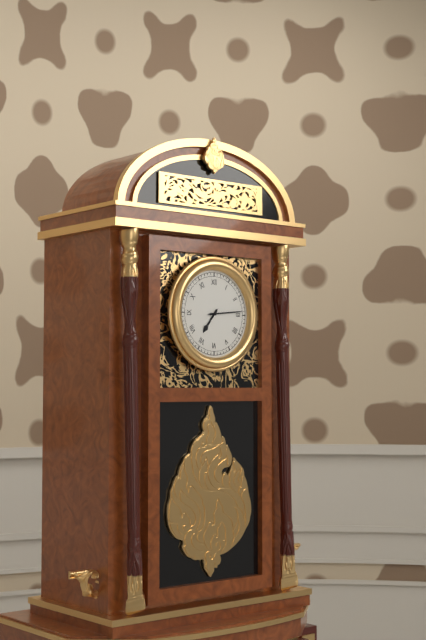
**7:14**
